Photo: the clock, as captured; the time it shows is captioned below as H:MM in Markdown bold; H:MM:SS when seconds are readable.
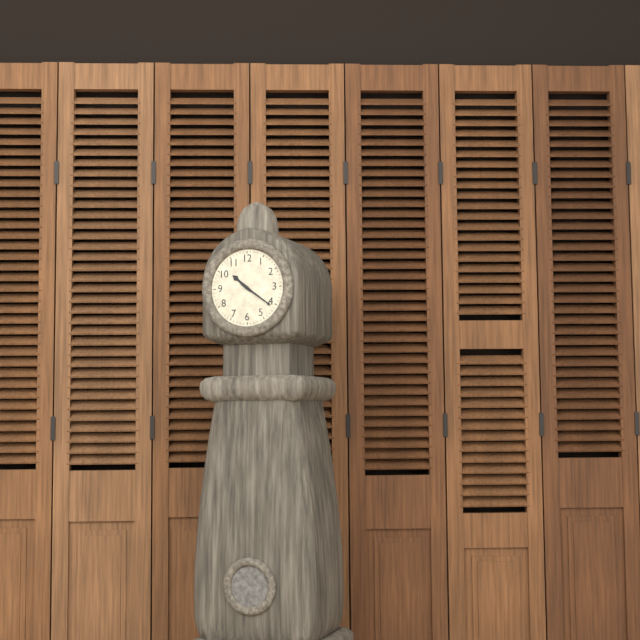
**10:21**
